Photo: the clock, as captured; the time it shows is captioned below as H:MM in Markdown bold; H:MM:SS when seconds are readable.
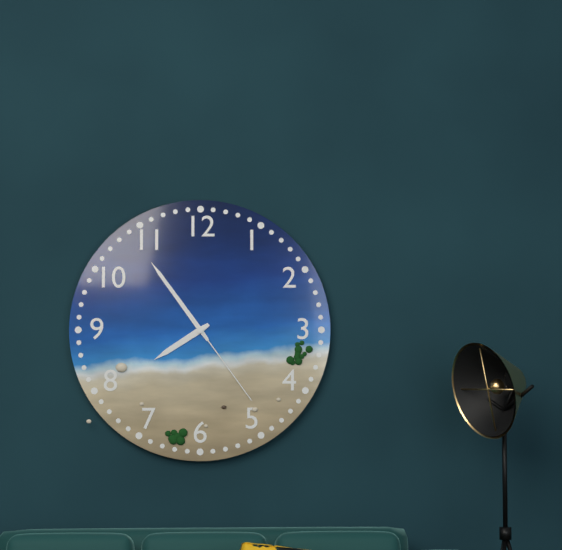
**7:54:24**
